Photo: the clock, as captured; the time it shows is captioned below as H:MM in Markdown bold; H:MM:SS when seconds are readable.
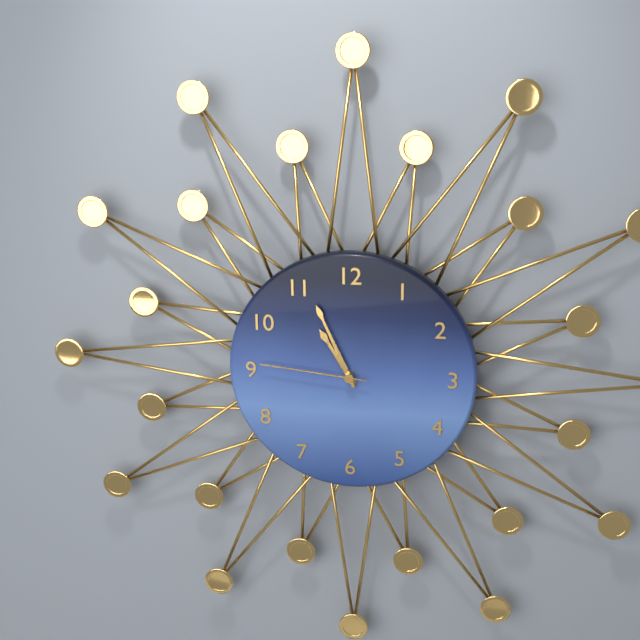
**10:56:46**
